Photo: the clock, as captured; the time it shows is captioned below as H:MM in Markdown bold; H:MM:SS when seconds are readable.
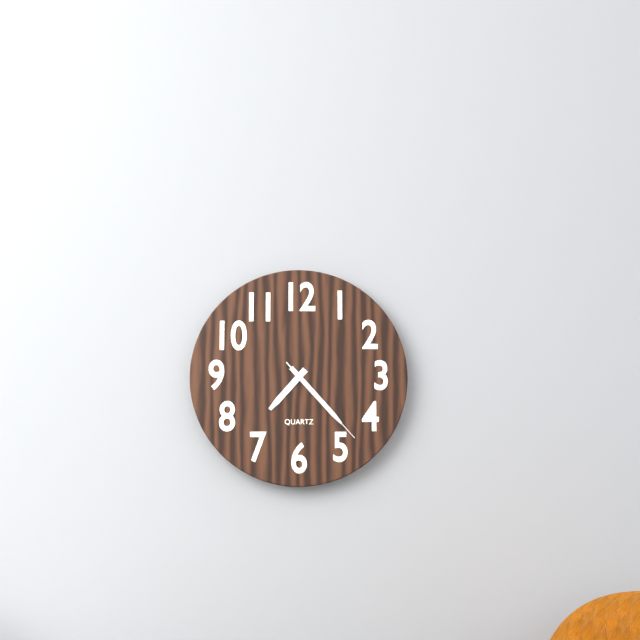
**7:23:23**
